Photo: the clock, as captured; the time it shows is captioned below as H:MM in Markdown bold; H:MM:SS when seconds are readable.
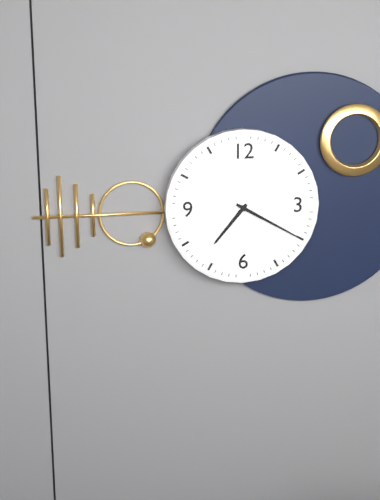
**7:20**
